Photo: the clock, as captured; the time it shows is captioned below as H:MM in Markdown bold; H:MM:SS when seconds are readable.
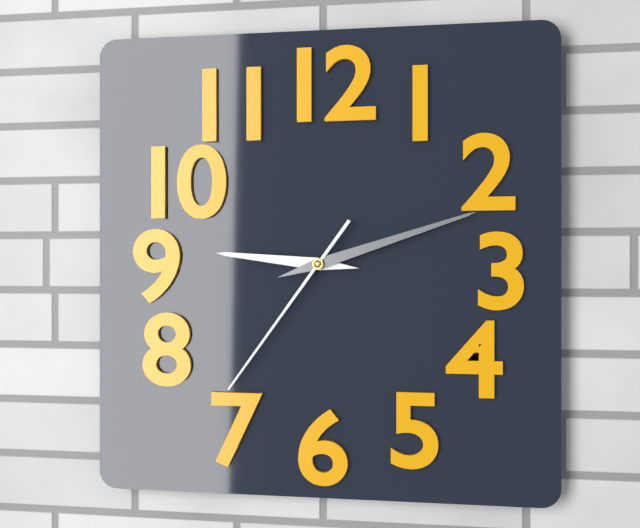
**9:12:36**
